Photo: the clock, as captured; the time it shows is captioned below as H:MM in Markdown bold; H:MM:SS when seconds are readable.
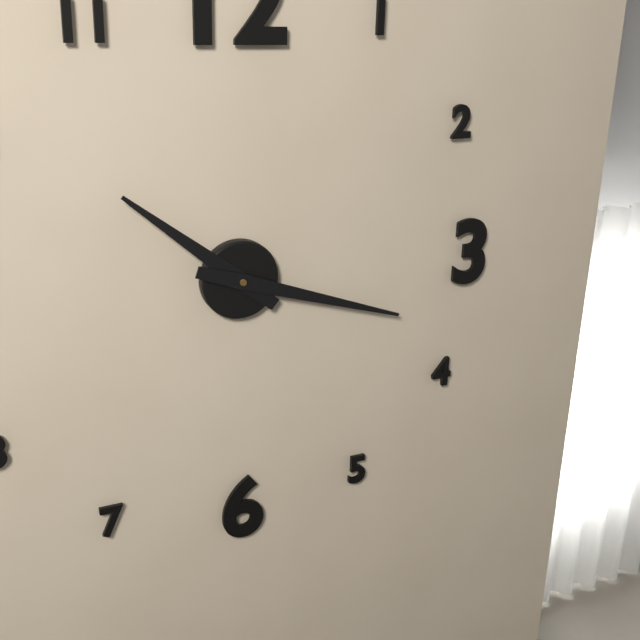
**10:18**
